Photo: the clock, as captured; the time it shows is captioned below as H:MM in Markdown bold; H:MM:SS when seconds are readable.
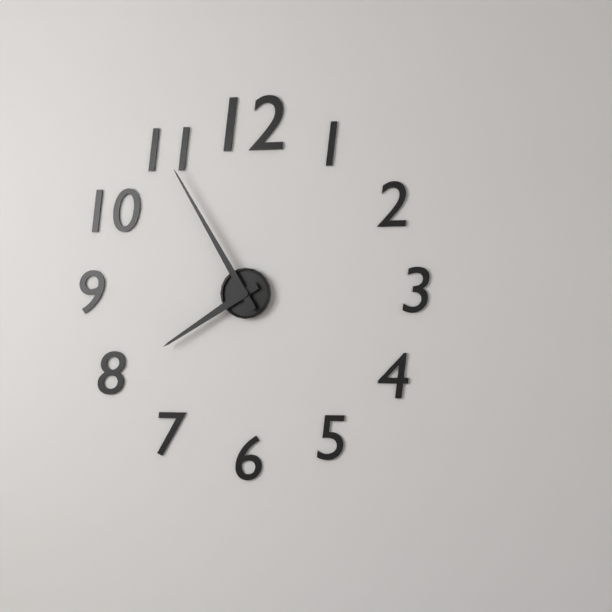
**7:55**
